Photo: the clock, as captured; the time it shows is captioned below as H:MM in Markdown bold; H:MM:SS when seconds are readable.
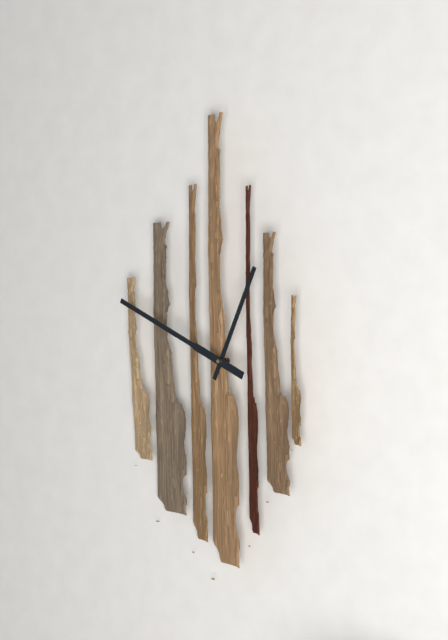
**12:49**
